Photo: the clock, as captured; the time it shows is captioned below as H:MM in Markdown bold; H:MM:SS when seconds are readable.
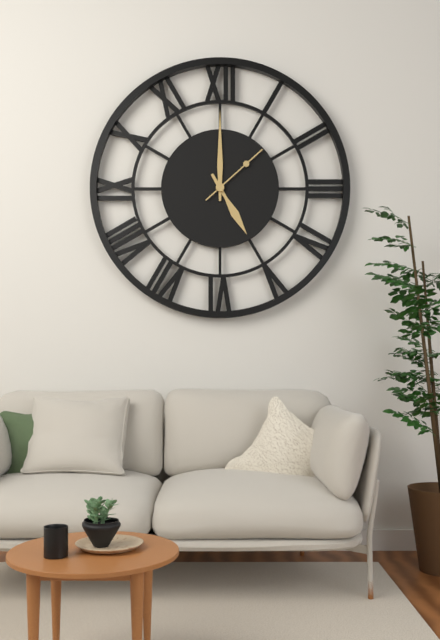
**5:00:08**
